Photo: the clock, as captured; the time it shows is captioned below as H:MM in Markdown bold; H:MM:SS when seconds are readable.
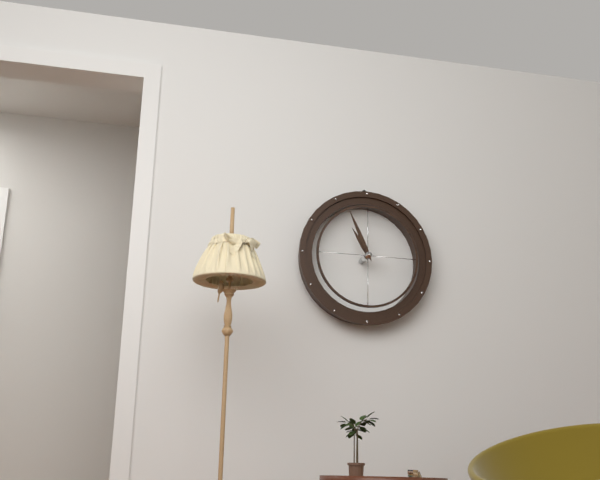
**10:56**
